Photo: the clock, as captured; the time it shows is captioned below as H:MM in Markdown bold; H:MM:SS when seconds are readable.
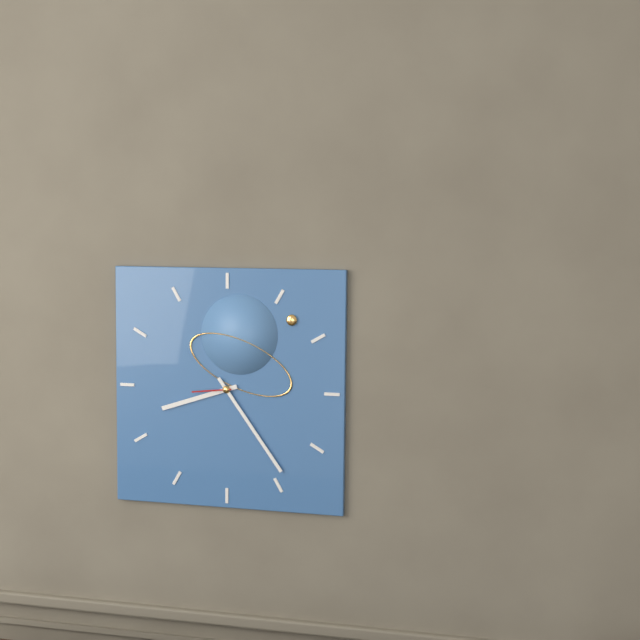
**8:24**
